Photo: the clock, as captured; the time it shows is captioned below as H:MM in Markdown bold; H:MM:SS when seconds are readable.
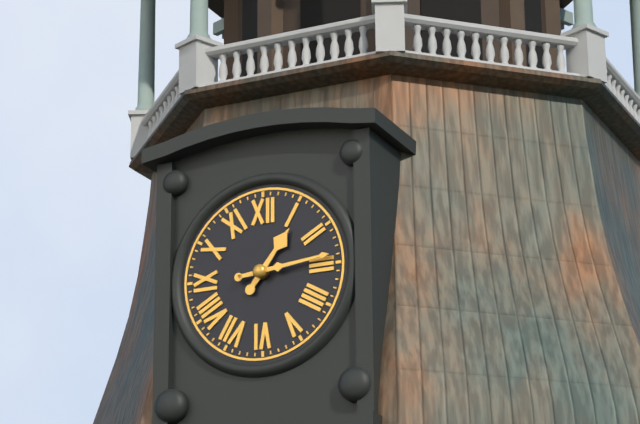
**1:14**
